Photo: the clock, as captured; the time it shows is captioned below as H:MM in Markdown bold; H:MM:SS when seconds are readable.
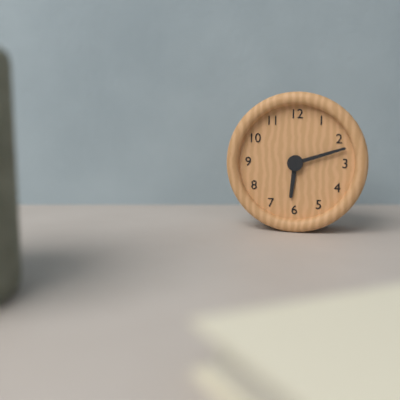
**6:12**
